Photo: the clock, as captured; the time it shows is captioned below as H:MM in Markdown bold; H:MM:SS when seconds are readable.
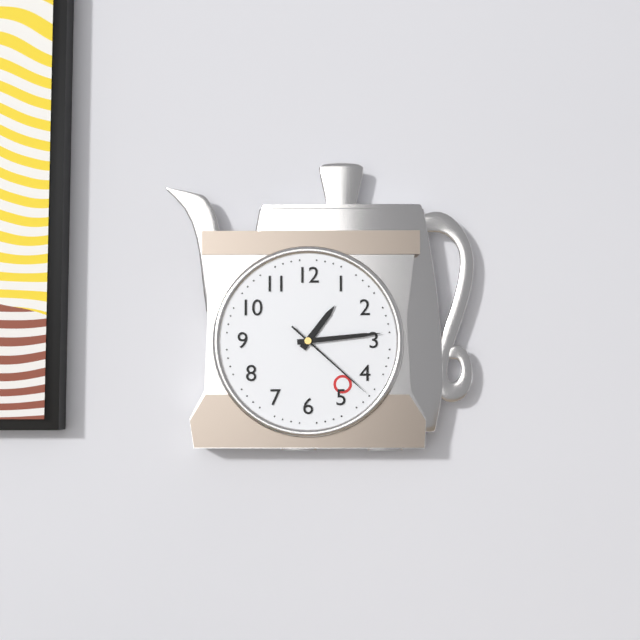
**1:14:22**
